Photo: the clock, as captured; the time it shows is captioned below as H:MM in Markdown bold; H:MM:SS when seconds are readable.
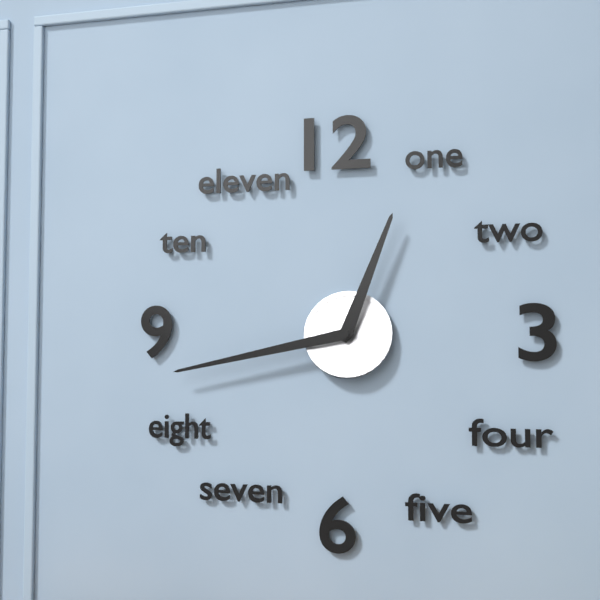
**12:43**
